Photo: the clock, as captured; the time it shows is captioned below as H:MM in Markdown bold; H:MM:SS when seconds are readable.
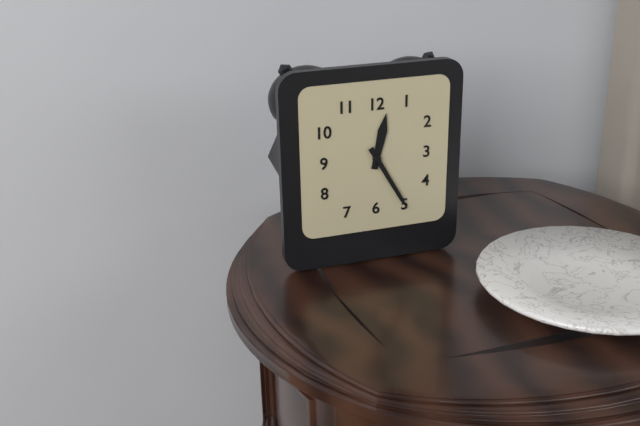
**12:25**
